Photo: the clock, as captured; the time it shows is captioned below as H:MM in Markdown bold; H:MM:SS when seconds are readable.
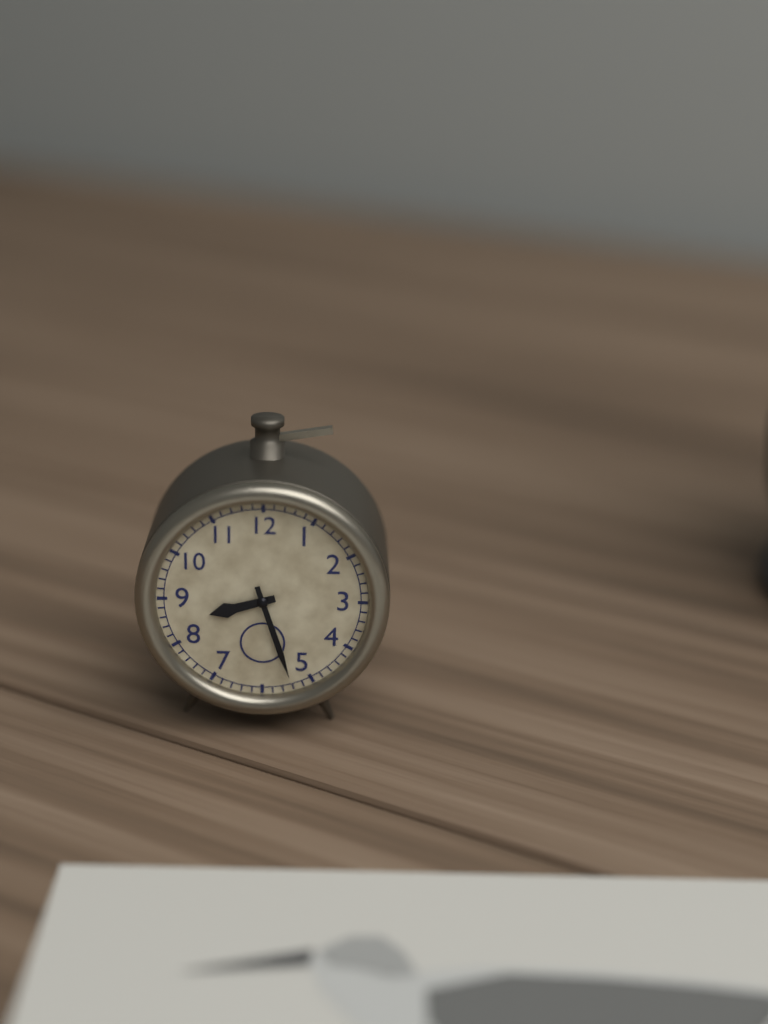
**8:27**
